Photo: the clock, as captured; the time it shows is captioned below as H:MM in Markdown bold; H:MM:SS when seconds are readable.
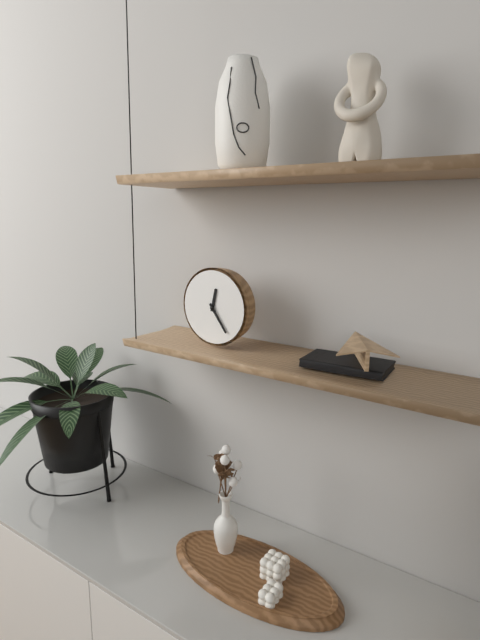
**12:24**
